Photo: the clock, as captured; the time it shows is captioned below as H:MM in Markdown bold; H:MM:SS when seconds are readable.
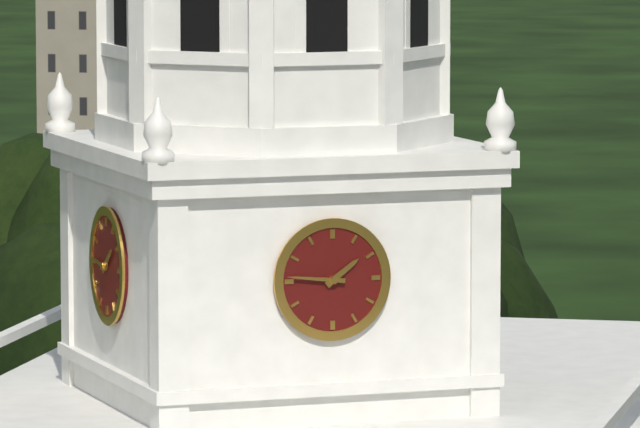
**1:46**
